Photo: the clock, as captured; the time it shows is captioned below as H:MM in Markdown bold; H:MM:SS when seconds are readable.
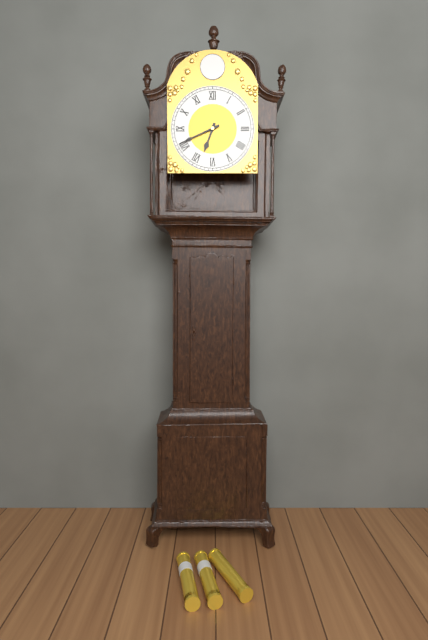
**6:41**
